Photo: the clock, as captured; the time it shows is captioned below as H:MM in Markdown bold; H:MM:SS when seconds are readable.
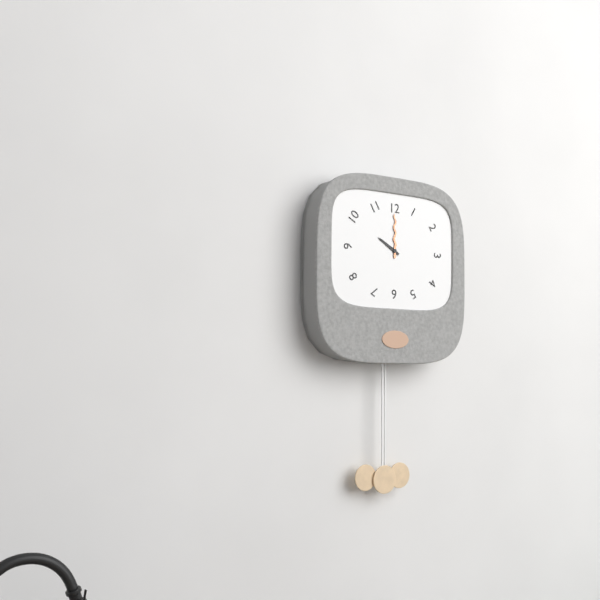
**10:00**
